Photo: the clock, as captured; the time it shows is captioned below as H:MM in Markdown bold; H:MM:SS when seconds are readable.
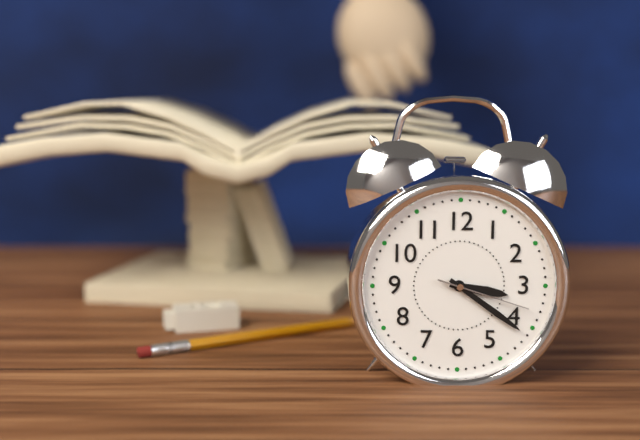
**3:21:18**
